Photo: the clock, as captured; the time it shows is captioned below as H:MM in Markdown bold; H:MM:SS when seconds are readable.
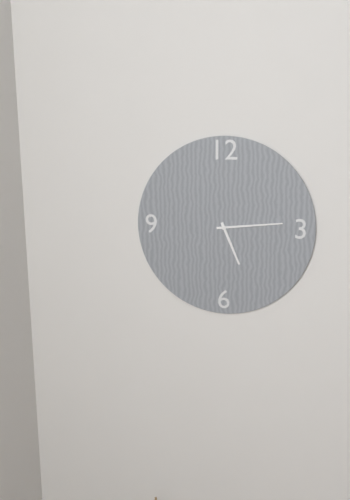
**5:14**
